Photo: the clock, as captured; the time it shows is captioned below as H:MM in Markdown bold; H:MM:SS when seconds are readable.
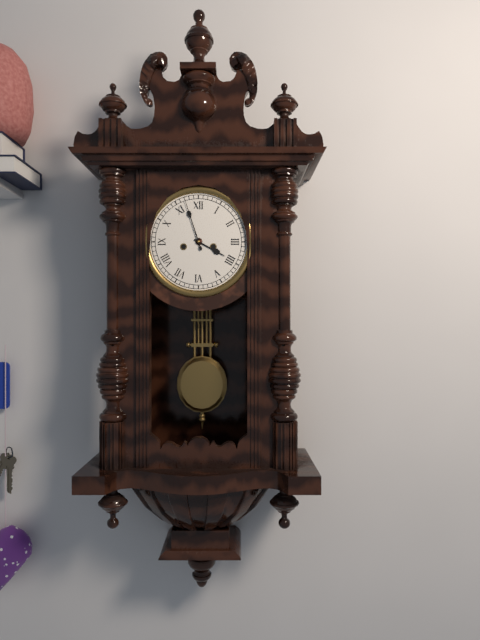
**3:57**
